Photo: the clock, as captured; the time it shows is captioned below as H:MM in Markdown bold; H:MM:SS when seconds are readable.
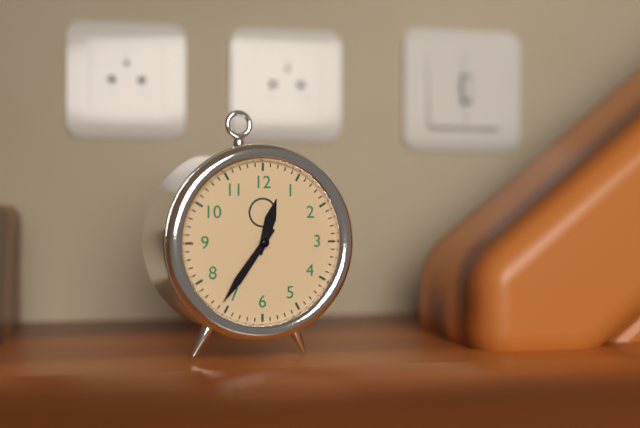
**12:36**
